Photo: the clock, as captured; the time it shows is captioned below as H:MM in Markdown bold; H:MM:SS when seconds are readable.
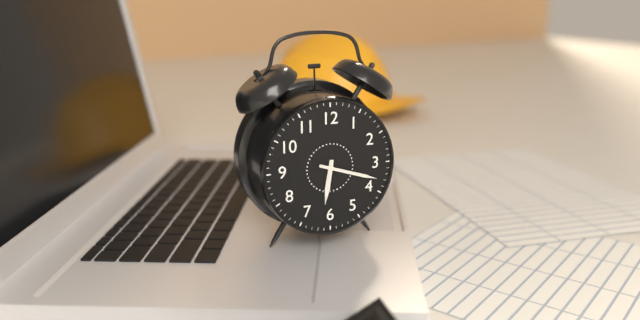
**6:18**
